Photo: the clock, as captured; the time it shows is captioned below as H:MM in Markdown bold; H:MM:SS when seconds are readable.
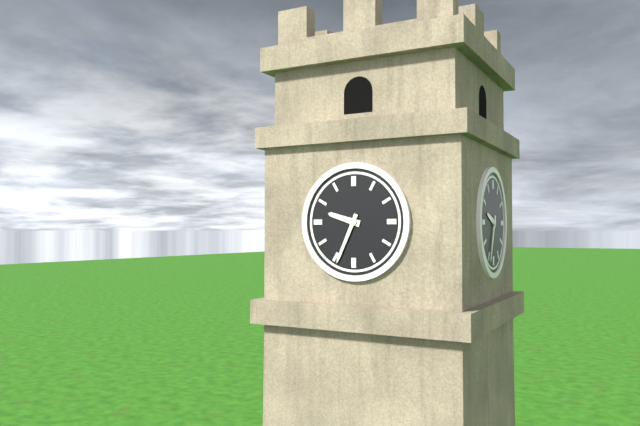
**9:34**
